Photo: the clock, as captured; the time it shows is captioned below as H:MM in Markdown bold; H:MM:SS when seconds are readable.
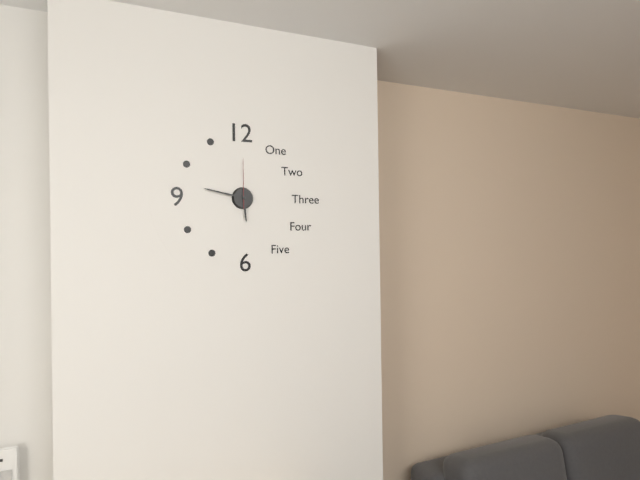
**5:47:00**
